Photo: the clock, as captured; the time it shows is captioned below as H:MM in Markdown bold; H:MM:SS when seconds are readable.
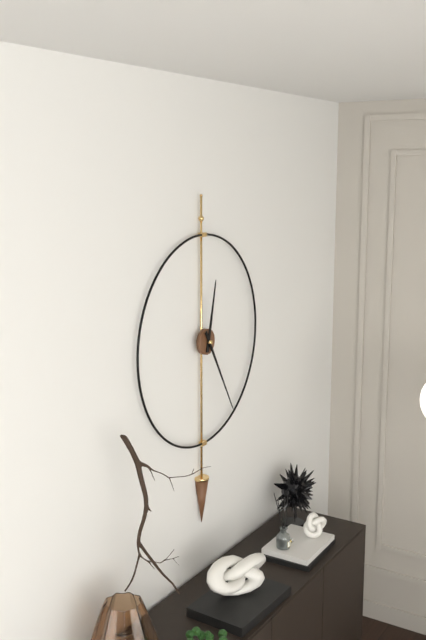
**12:25**
